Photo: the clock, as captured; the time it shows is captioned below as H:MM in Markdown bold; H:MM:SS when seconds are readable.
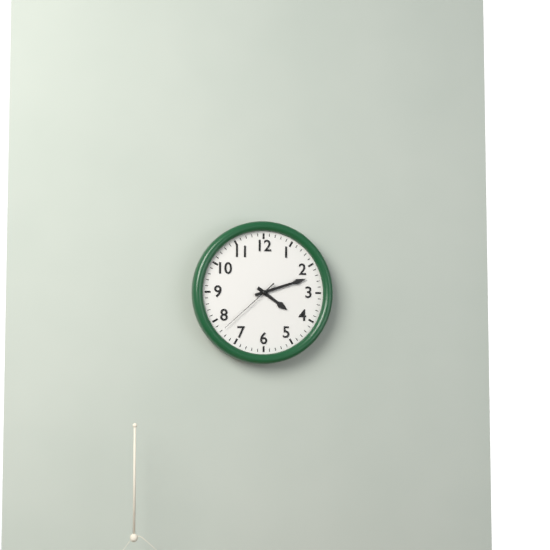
**4:12:38**
